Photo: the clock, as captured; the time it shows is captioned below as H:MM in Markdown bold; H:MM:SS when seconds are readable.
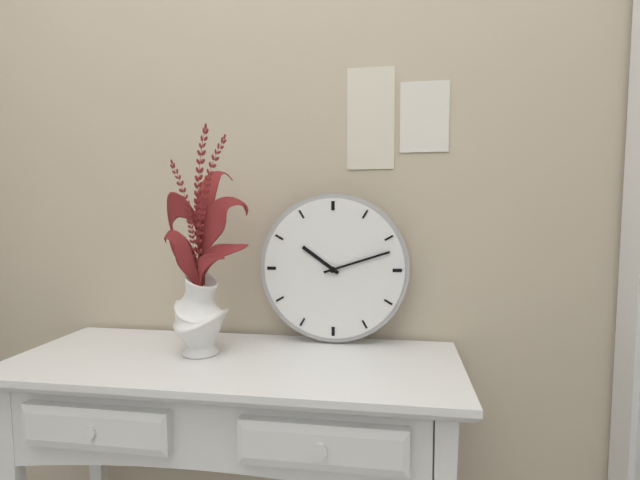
**10:12**
